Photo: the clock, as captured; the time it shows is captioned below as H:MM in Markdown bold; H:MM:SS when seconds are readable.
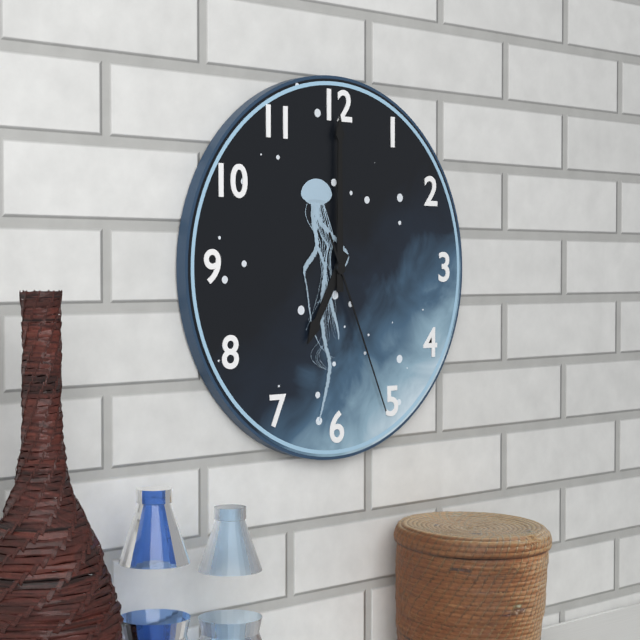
**7:00:26**
